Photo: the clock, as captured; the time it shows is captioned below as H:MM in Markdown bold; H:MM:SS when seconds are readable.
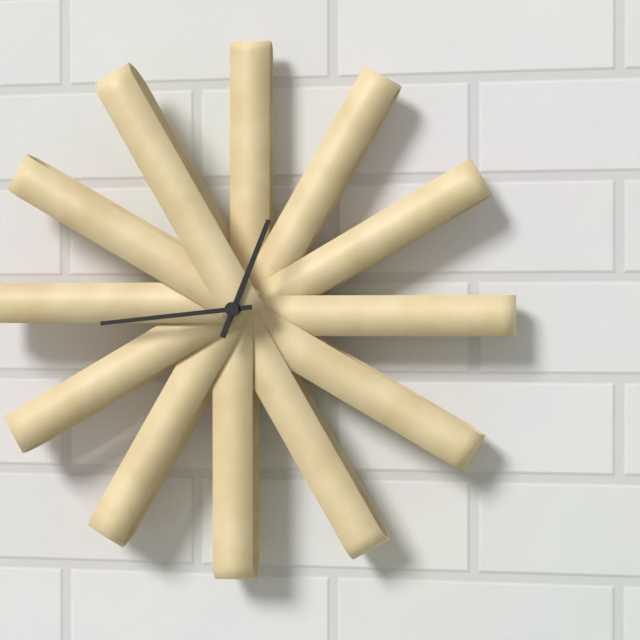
**12:44**
